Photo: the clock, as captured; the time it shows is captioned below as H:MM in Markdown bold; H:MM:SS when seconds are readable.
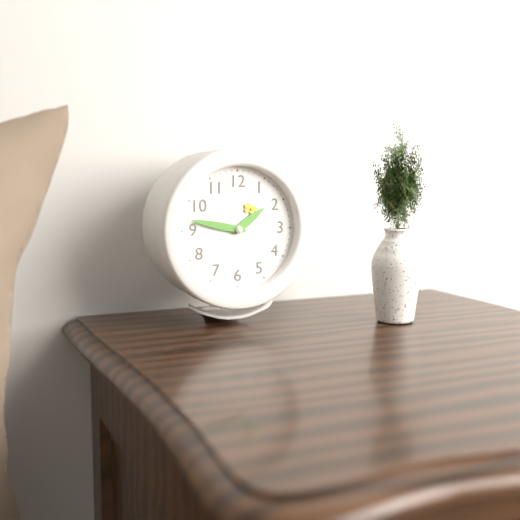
**1:47**
